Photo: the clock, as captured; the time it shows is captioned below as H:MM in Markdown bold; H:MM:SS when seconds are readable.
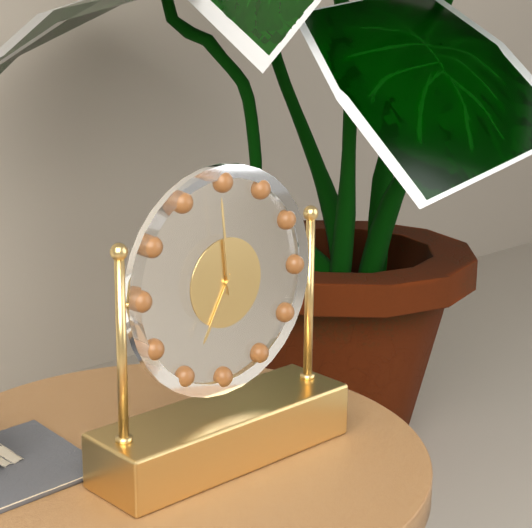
**6:59**
